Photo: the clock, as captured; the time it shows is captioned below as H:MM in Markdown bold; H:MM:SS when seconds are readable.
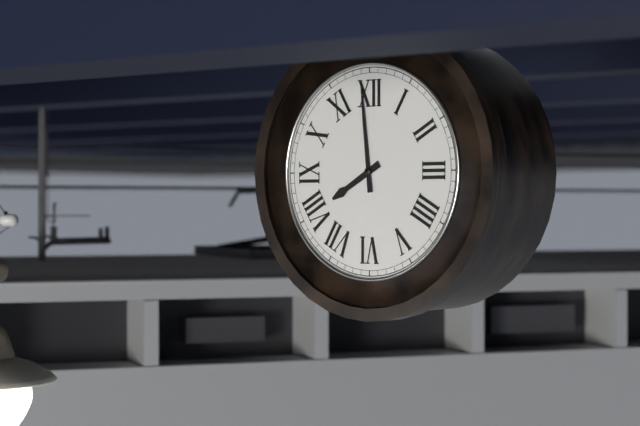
**7:59**
